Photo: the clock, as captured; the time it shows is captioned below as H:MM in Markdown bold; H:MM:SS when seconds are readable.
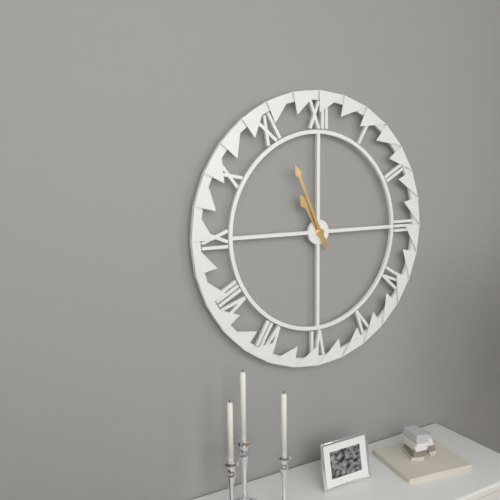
**10:56**
